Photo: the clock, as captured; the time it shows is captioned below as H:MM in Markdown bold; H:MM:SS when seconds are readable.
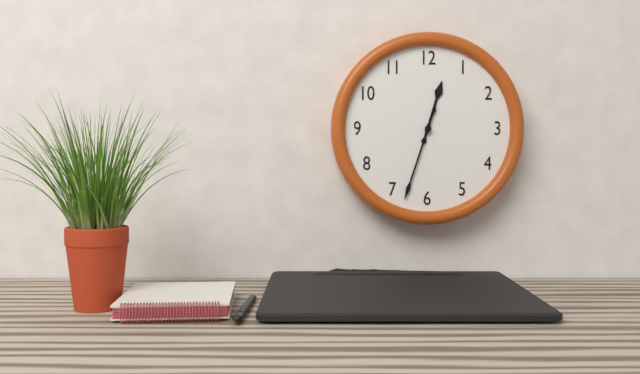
**12:33**
